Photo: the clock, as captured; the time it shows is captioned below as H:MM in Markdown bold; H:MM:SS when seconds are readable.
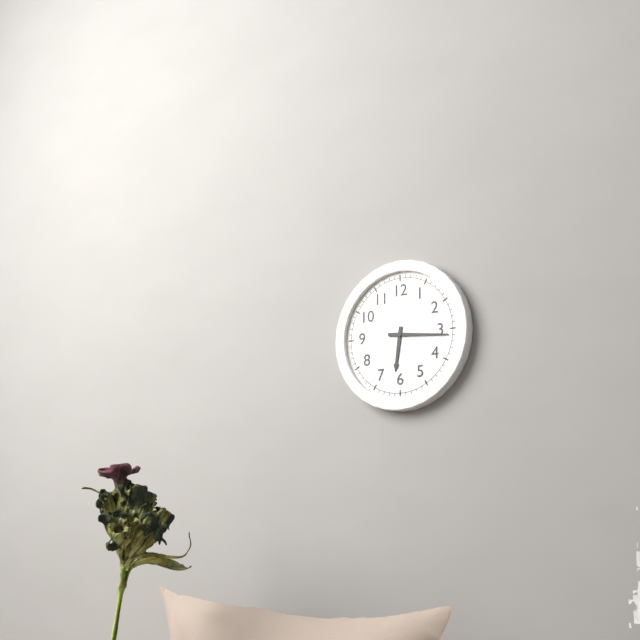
**6:16**
